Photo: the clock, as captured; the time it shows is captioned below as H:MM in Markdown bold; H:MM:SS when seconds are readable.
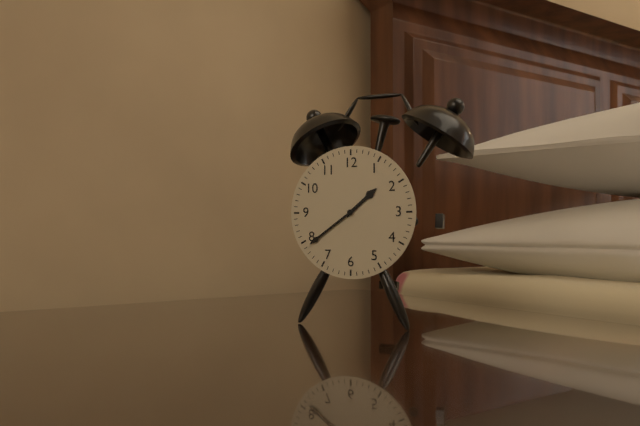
**1:39**
